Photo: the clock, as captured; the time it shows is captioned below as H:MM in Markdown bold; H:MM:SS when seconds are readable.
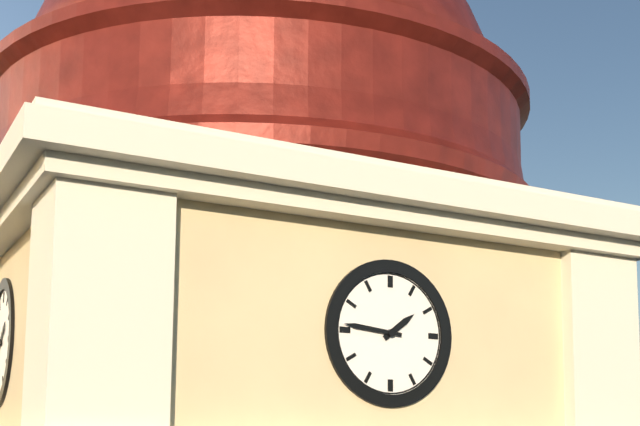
**1:46**
